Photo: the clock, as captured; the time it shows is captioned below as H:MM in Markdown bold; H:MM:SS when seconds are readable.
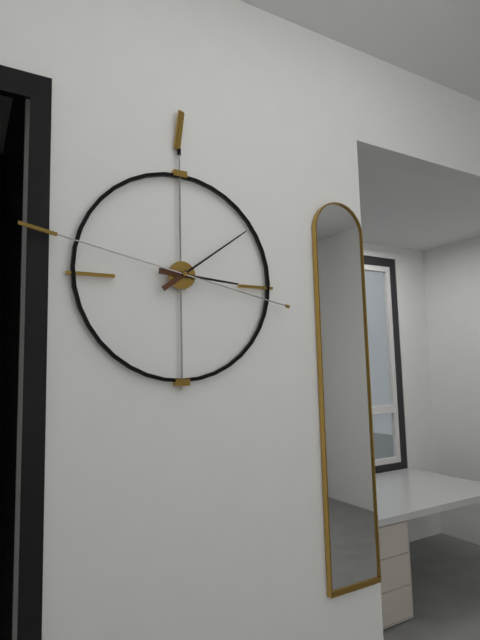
**3:09:47**
